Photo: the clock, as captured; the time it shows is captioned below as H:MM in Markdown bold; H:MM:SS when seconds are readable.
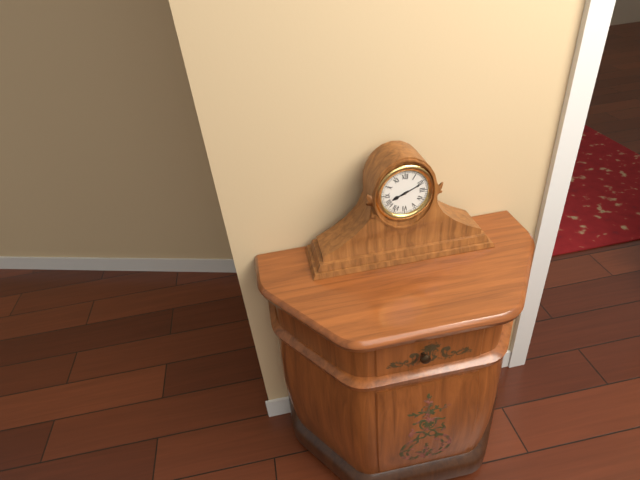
**8:11**
